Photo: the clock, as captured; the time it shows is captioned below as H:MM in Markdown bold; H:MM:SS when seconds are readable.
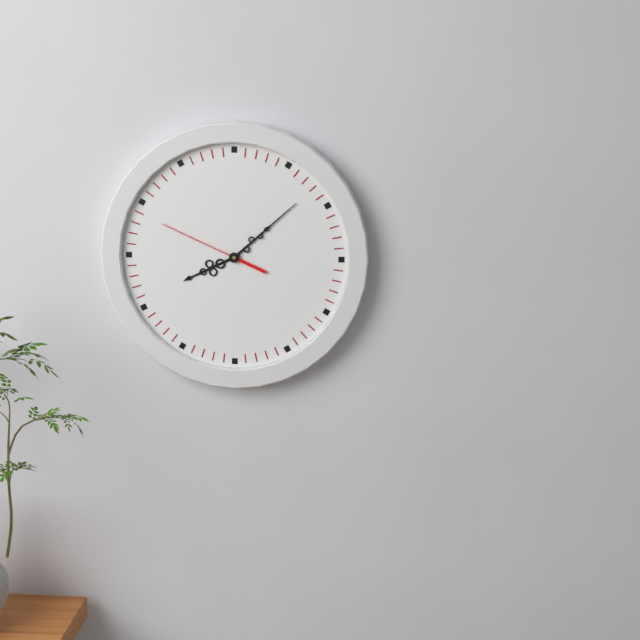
**8:08:49**
